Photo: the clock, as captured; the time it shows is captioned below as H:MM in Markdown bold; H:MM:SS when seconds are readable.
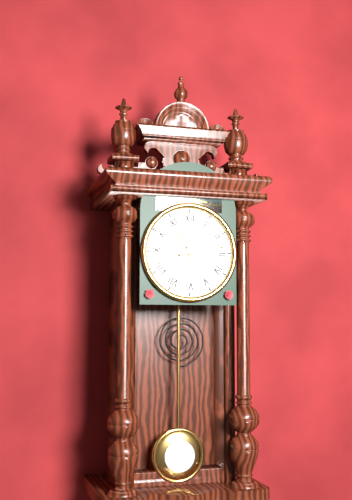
**11:13**
